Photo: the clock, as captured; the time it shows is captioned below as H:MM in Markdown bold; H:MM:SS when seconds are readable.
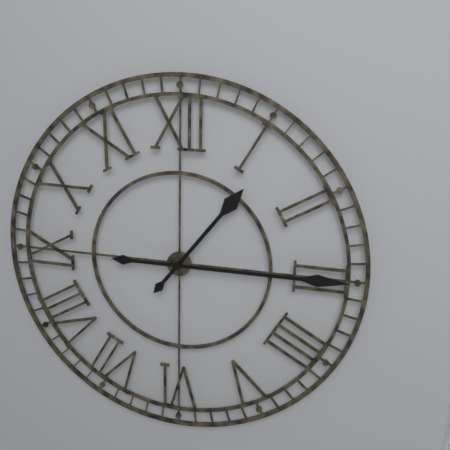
**1:15**
